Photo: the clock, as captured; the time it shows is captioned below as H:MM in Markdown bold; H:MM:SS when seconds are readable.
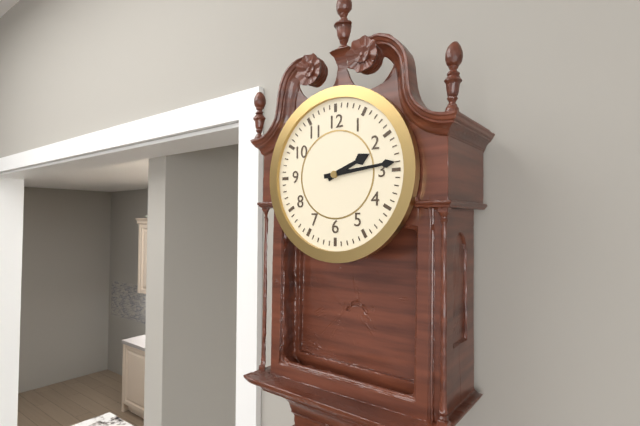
**2:14**
